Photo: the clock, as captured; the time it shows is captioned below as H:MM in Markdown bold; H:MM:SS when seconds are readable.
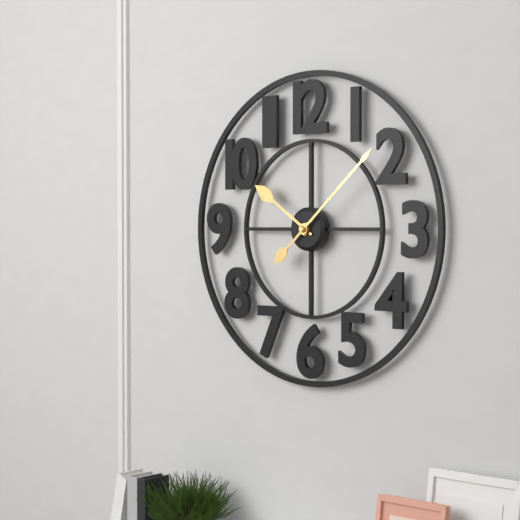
**10:08**
